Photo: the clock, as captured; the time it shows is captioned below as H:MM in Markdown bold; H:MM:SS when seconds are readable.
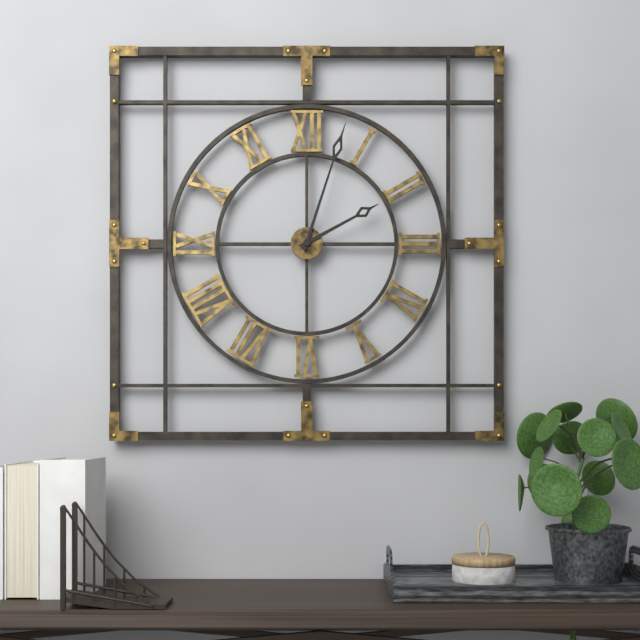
**2:03**
